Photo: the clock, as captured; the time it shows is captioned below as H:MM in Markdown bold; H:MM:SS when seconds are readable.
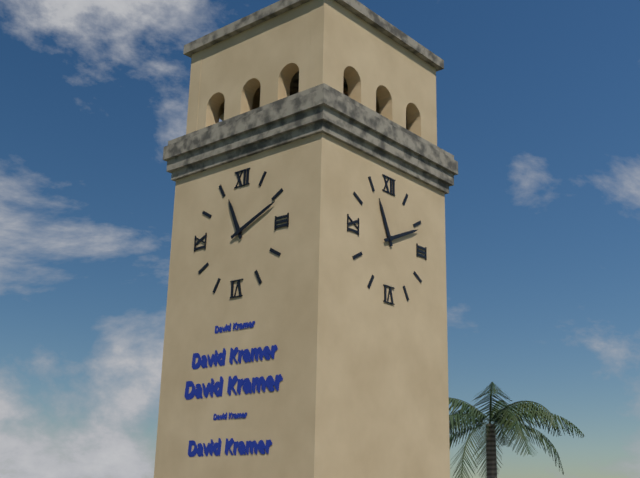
**11:11**
